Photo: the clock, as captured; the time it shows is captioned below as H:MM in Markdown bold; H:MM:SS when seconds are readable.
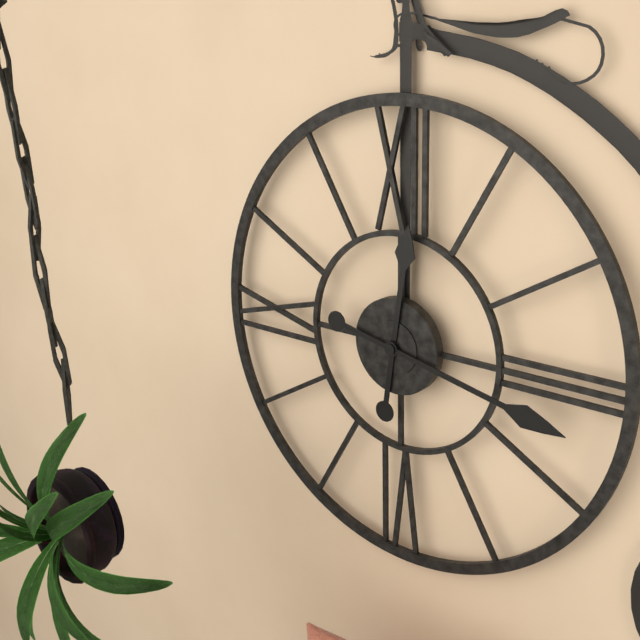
**12:17**
